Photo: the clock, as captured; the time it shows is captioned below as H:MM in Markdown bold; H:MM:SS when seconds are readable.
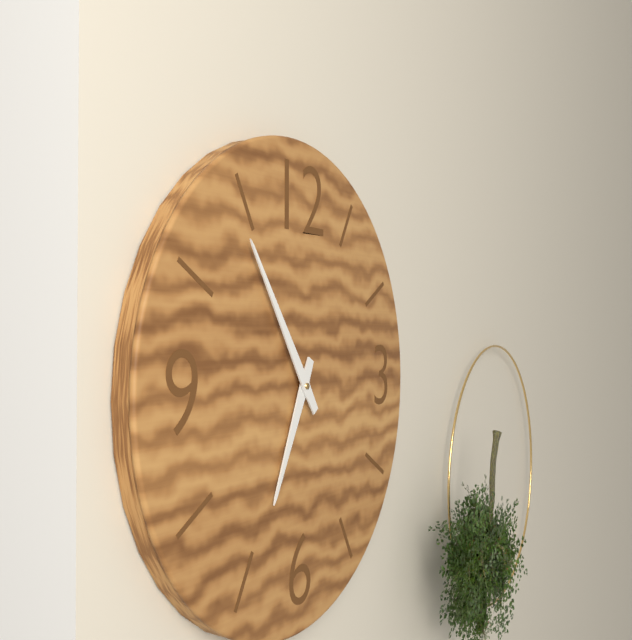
**6:54**
